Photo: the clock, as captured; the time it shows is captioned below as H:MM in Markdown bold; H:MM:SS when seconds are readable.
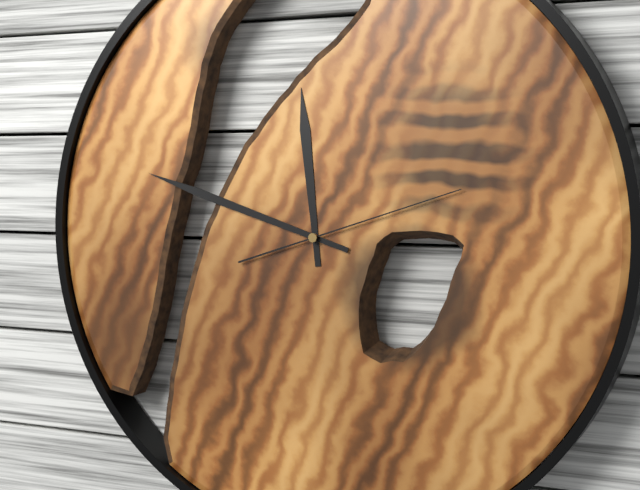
**11:48:12**
